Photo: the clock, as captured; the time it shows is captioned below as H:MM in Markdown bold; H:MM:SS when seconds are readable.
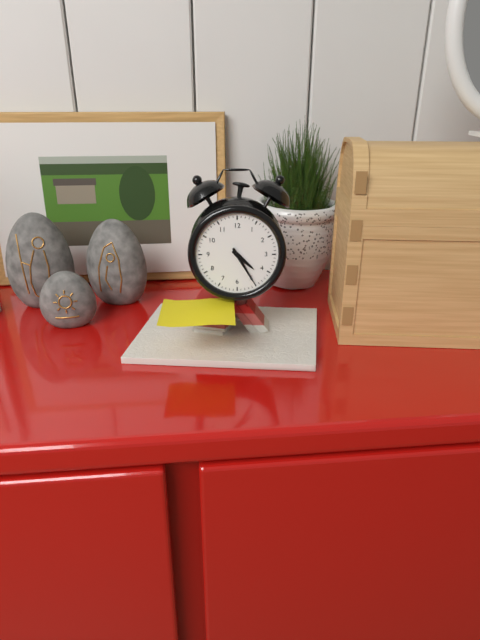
**4:25**
